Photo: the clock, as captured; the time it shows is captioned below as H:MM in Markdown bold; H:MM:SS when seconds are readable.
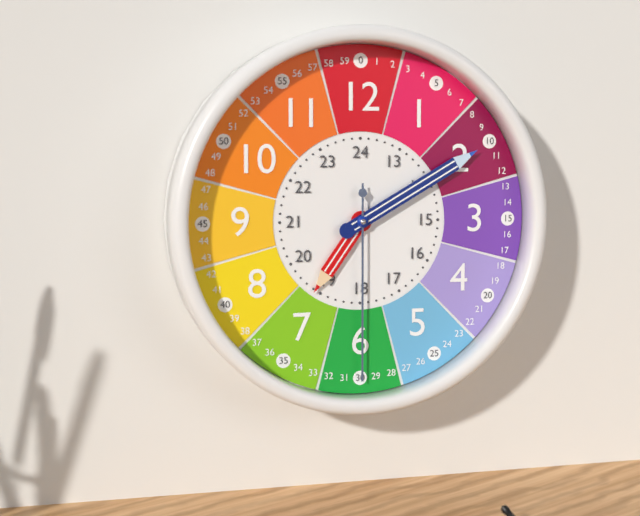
**7:10:30**
